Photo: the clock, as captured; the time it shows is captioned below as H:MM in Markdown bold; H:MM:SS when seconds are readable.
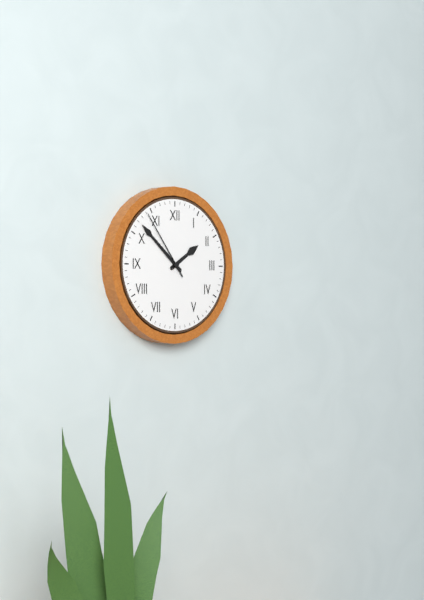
**1:52:54**
